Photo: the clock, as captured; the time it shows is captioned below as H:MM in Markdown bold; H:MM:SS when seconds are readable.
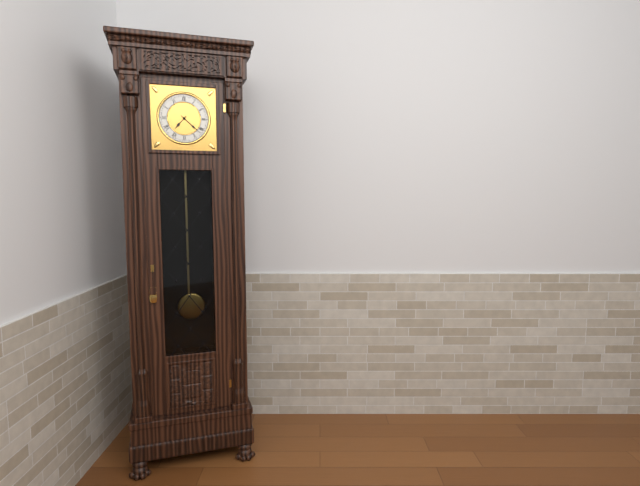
**7:22**
